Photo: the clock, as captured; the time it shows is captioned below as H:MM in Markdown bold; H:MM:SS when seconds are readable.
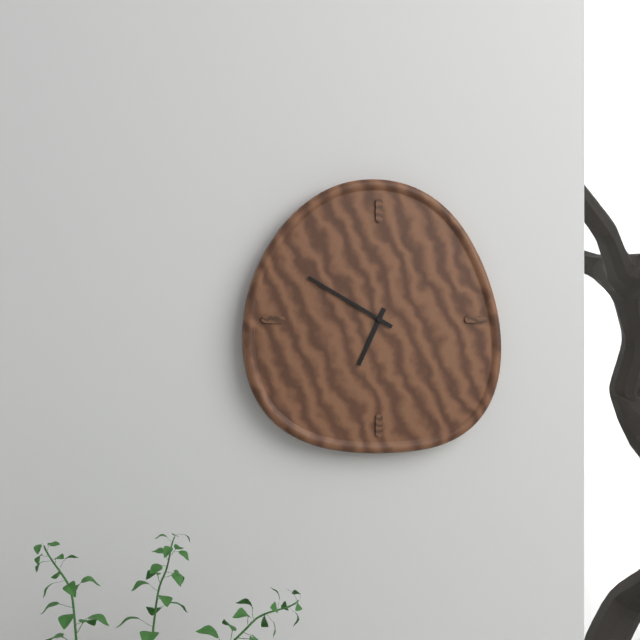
**6:50**
